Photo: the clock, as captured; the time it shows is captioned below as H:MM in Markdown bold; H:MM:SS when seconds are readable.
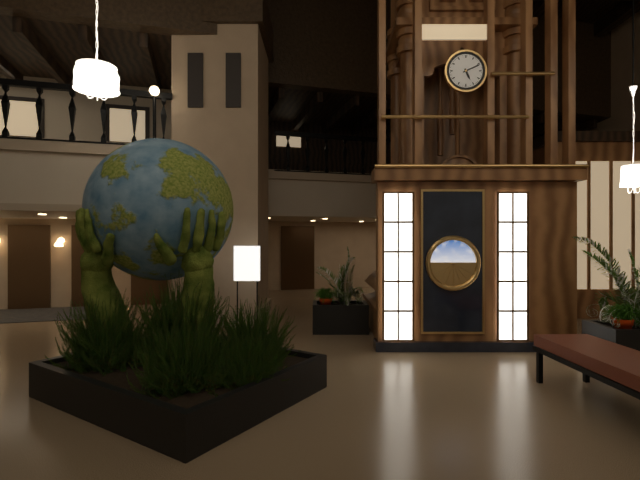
**5:11**
